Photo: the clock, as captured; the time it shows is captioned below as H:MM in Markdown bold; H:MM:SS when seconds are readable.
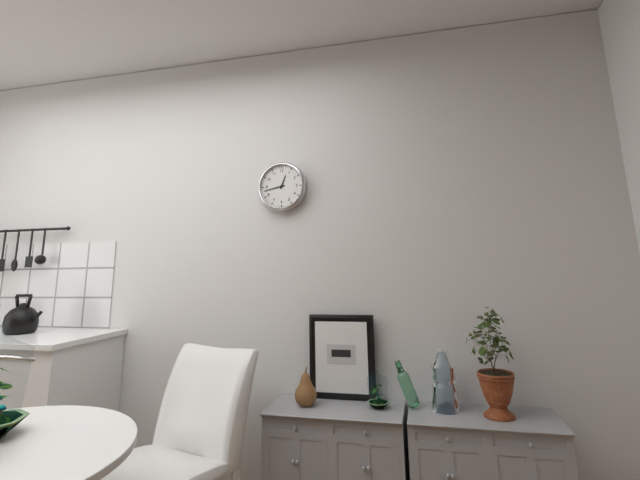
**12:43**
